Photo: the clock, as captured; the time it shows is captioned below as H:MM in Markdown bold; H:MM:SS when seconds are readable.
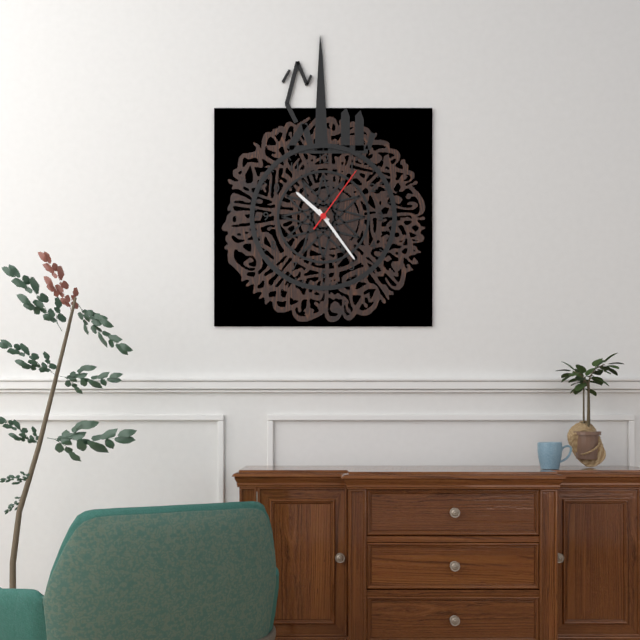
**10:24:06**
